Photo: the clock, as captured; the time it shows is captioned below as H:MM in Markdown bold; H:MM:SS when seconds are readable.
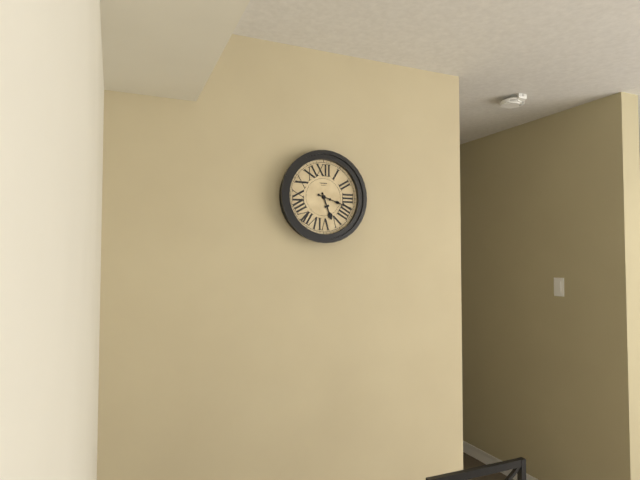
**5:18**
